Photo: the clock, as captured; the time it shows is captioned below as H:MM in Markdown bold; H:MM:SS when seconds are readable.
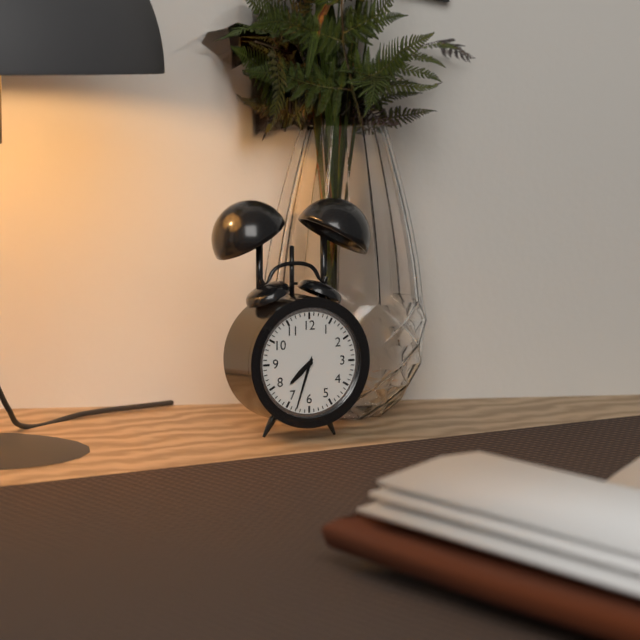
**7:33**
